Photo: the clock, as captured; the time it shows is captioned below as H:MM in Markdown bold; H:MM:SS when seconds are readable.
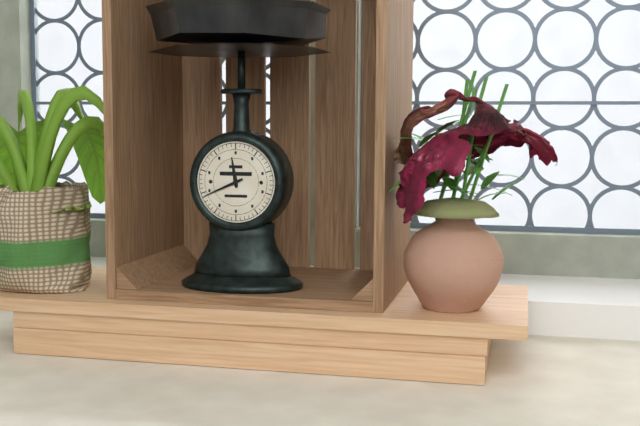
**11:41**
